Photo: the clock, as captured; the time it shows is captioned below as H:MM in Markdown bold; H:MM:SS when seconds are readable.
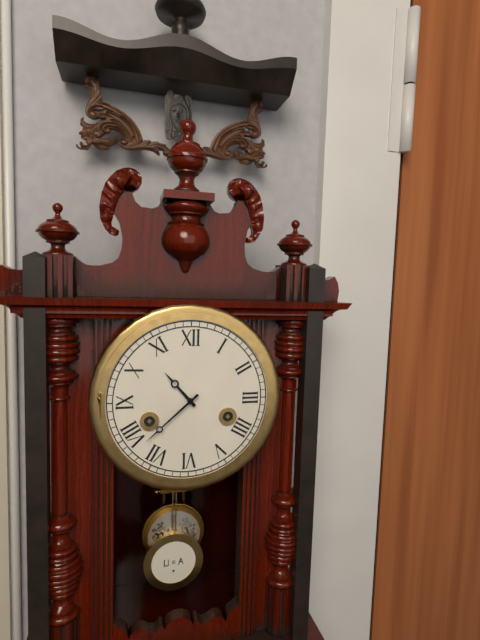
**10:38**
